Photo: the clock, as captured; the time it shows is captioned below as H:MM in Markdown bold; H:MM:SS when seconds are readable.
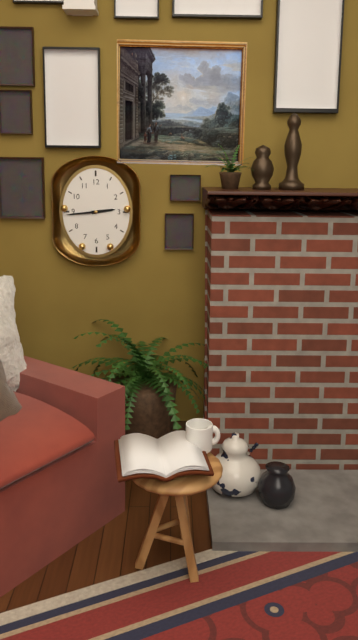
**2:44**
